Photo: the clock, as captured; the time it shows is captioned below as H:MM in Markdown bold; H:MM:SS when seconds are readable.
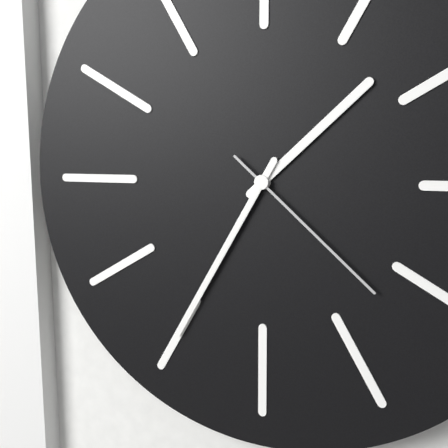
**1:35:22**
